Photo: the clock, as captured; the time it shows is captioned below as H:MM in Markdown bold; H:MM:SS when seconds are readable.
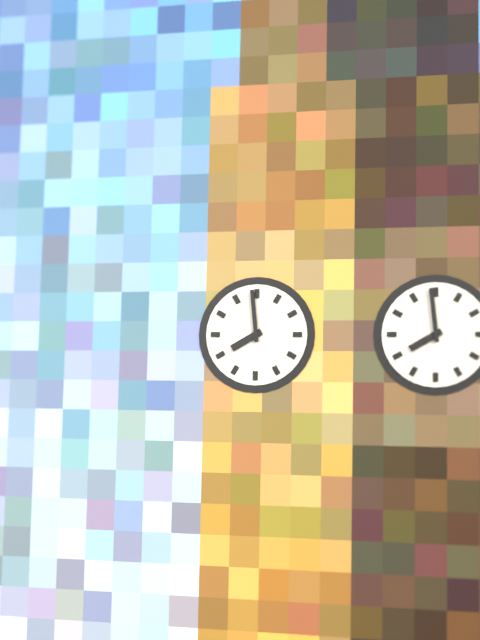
**7:59**
